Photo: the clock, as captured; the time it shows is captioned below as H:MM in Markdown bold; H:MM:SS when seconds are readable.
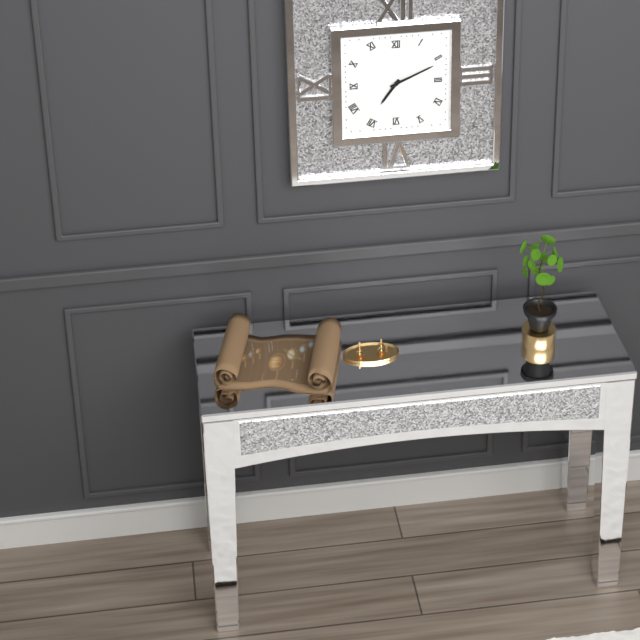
**7:11**
